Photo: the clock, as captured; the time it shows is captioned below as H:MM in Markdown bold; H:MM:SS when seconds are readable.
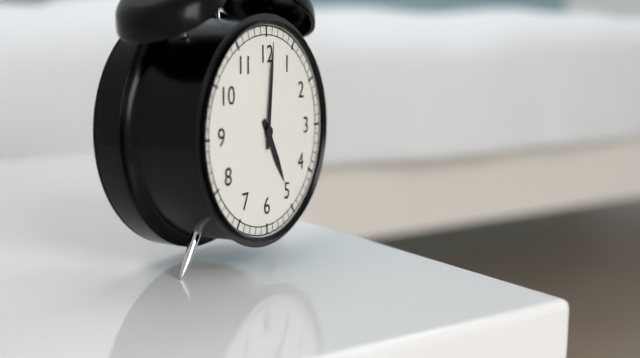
**5:01**
